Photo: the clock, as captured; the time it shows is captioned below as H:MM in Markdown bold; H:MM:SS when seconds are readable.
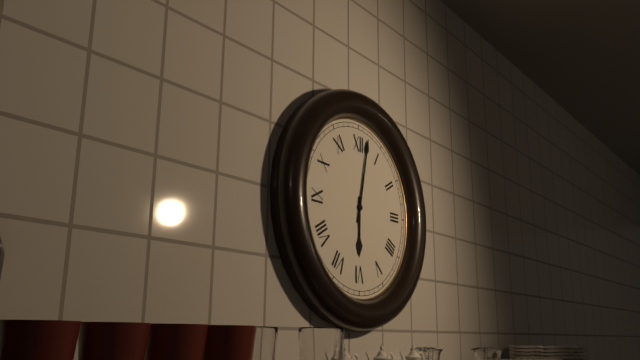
**6:02**
